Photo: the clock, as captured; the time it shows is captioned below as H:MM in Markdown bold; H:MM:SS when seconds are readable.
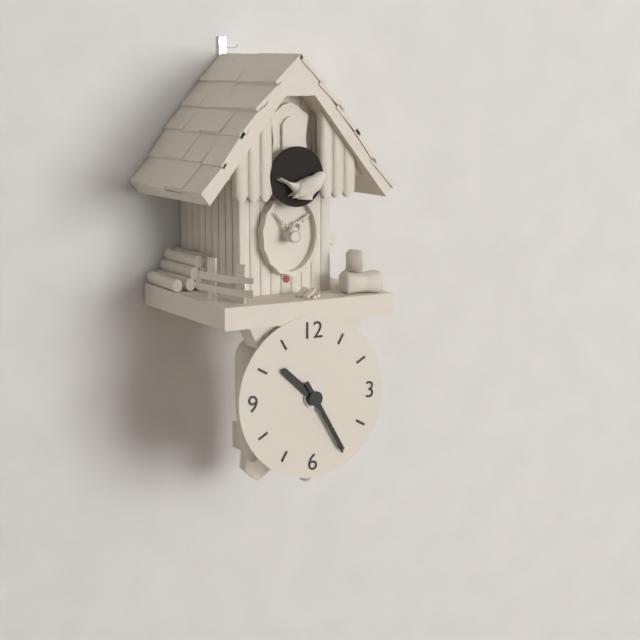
**10:25**
